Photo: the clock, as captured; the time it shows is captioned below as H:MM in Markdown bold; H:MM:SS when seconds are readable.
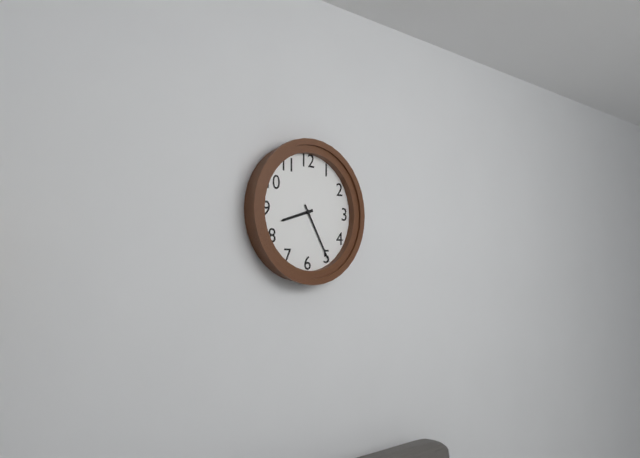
**8:25**
